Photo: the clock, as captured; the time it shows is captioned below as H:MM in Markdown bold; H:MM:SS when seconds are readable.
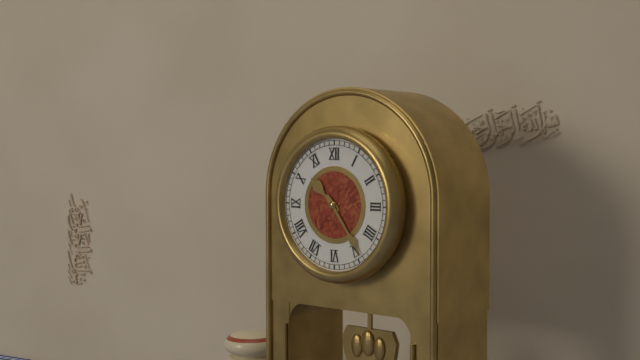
**10:24**
